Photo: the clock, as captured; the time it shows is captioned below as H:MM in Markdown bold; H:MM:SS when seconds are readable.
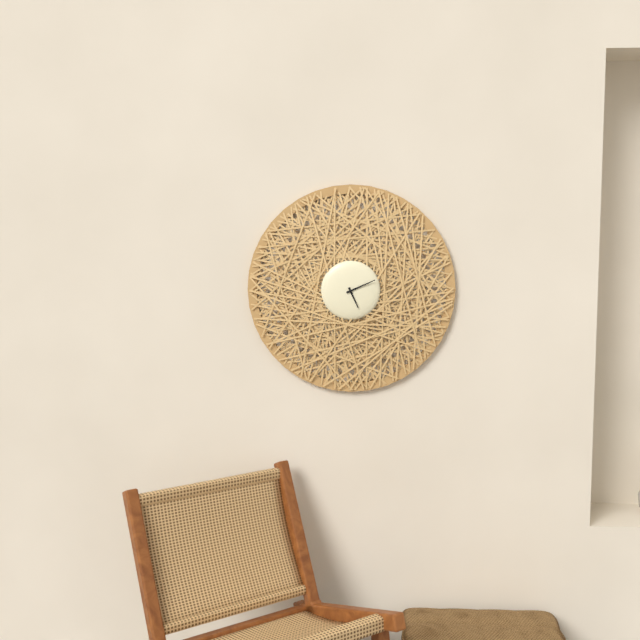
**5:11**
